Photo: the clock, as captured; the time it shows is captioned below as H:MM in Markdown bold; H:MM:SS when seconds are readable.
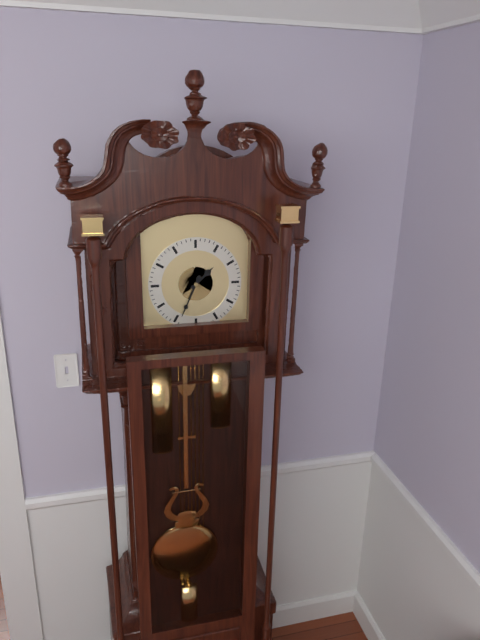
**1:34**
